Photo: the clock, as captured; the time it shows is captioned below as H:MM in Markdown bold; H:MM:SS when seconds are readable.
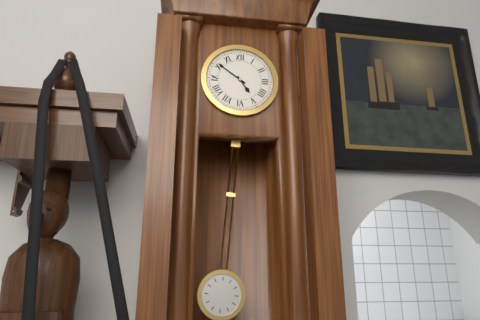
**4:51**
